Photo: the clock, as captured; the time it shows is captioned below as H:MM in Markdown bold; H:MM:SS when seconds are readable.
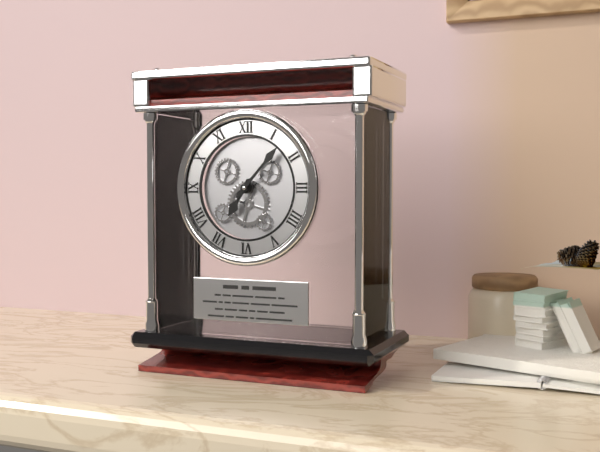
**7:07**
